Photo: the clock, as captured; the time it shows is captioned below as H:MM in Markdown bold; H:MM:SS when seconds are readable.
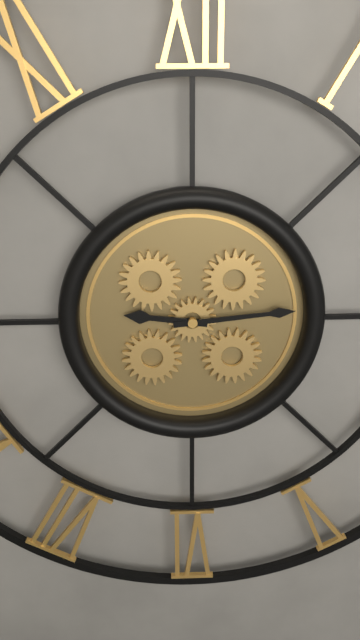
**9:14**
